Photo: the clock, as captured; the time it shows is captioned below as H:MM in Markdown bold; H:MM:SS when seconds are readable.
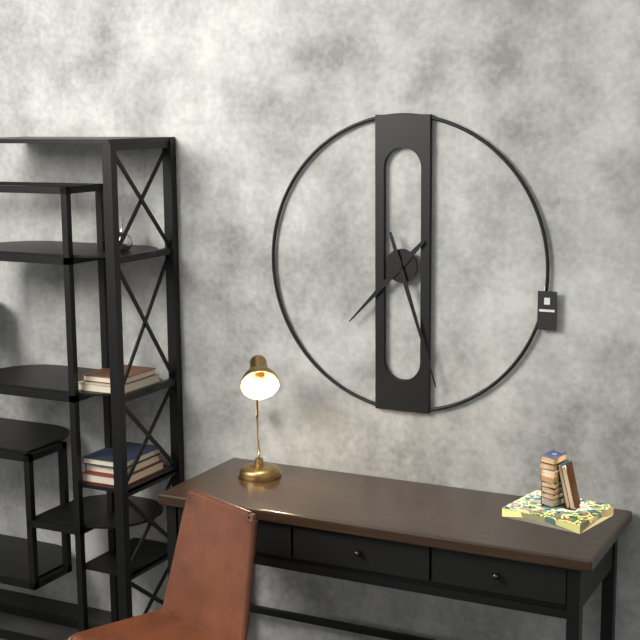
**7:27**
